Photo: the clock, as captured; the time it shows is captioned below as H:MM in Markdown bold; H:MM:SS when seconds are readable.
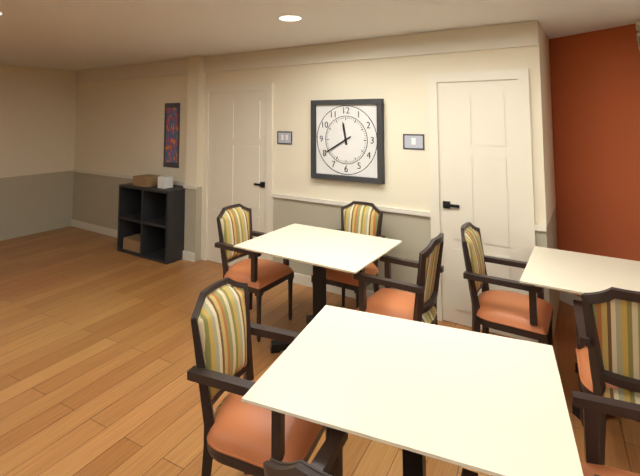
**11:40**
